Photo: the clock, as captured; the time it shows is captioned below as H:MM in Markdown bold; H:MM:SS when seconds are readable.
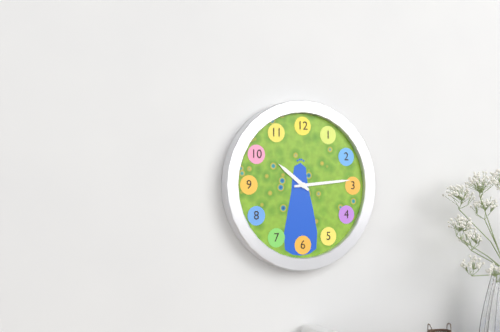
**10:14**
